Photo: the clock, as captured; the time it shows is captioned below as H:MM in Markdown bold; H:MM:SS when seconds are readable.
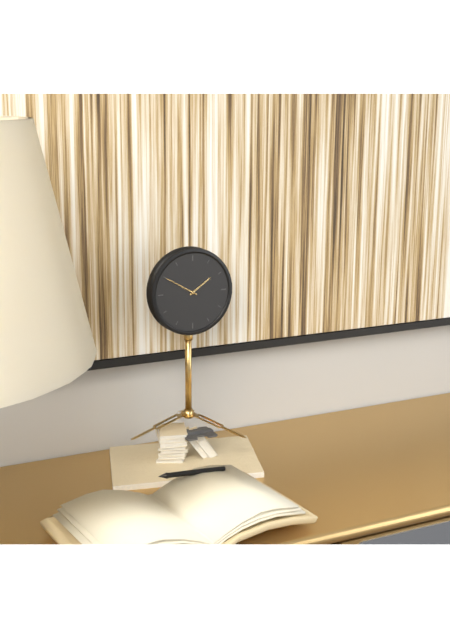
**1:50**
